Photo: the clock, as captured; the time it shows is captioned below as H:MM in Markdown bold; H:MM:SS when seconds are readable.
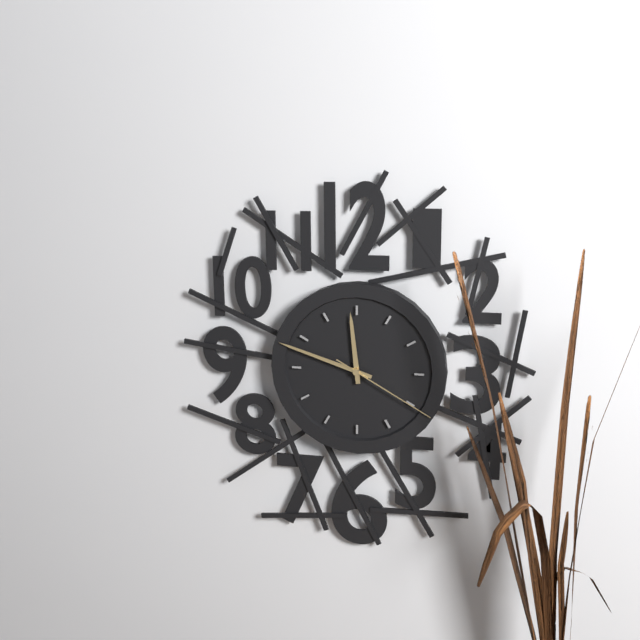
**11:48:20**
